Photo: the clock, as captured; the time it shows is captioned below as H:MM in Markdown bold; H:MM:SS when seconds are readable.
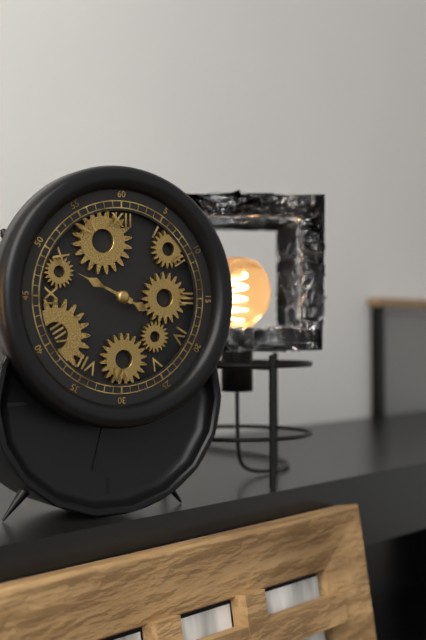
**3:49**
